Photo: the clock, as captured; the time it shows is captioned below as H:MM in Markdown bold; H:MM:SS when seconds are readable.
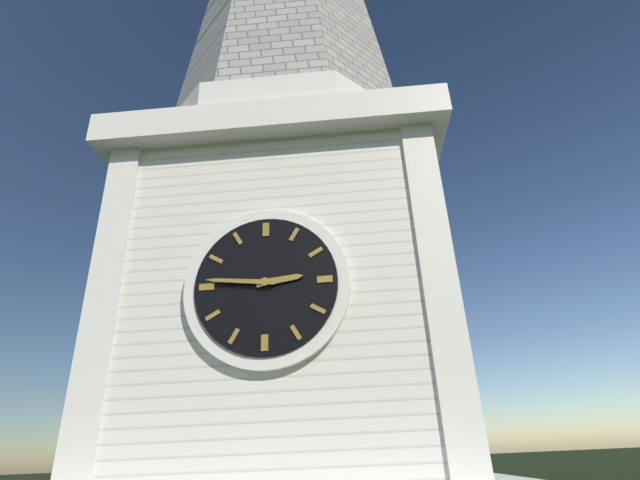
**2:46**
